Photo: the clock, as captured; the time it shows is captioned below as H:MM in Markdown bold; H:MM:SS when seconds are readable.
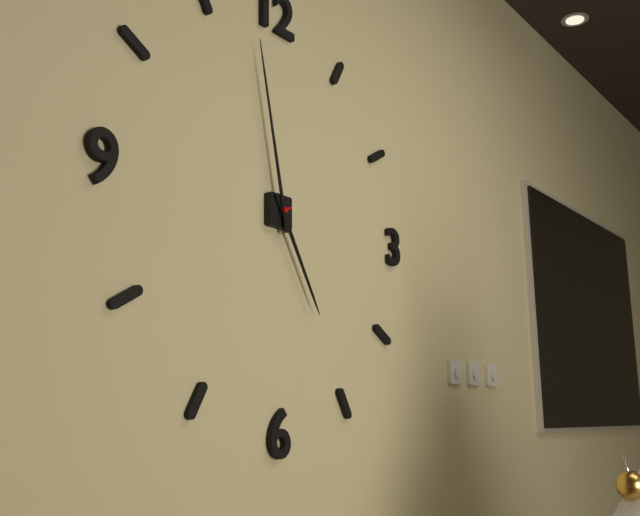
**4:58**
